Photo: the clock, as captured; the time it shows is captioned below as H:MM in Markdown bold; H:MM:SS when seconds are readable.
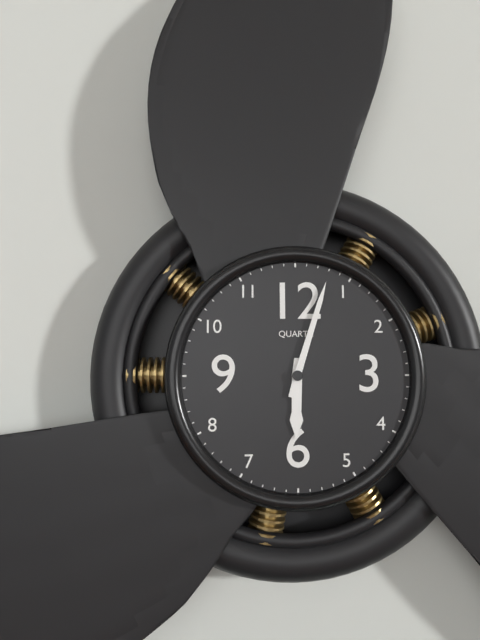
**6:03**
